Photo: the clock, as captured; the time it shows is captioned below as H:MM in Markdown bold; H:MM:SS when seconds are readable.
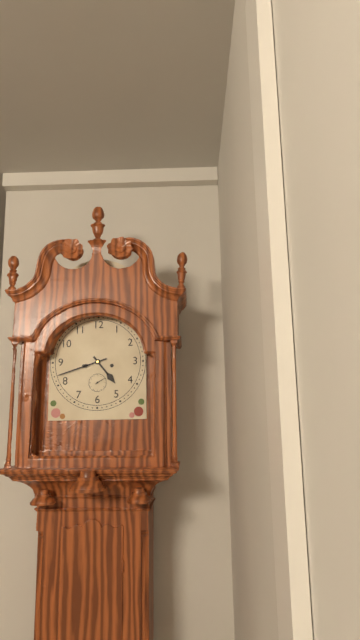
**4:42**
